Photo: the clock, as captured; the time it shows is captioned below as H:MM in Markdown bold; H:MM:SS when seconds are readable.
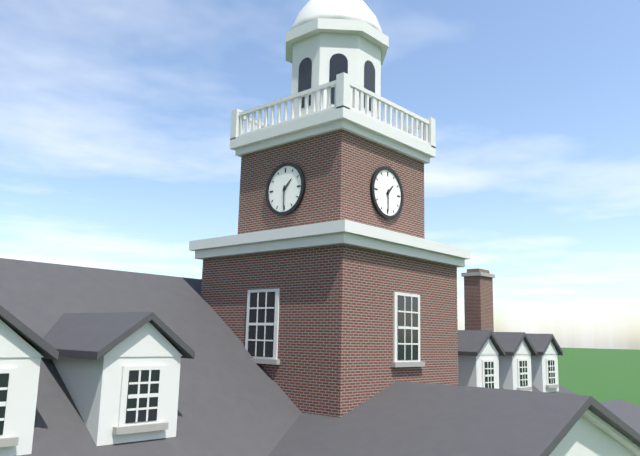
**1:30**
